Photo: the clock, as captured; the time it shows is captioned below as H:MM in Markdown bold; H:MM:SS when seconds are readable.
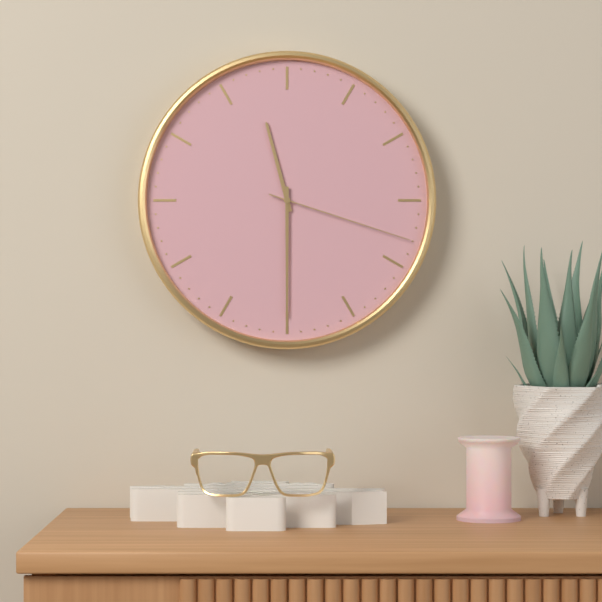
**11:30:18**
